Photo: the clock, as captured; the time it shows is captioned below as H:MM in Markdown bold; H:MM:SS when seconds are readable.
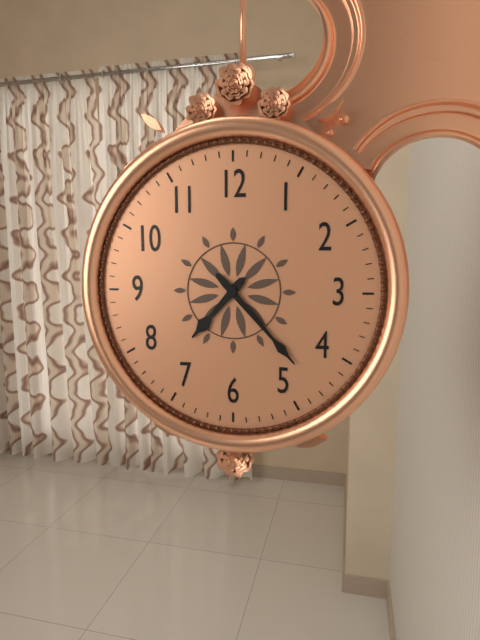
**7:23**
